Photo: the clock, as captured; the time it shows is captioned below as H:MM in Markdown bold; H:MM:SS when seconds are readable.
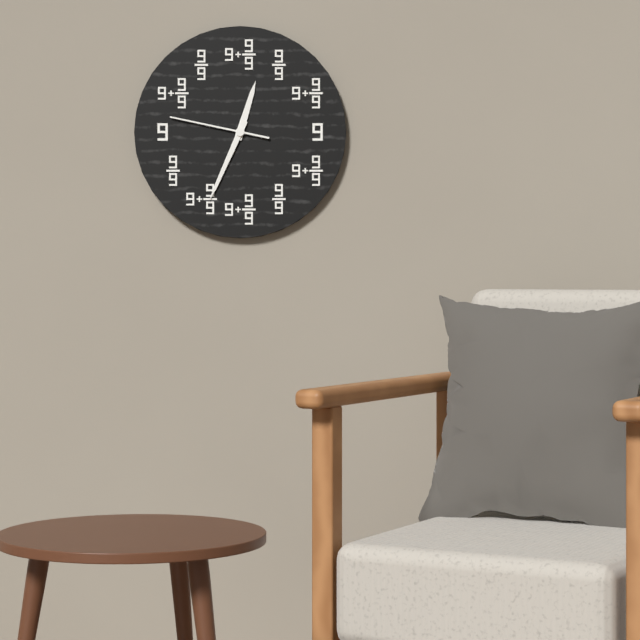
**12:34:47**
